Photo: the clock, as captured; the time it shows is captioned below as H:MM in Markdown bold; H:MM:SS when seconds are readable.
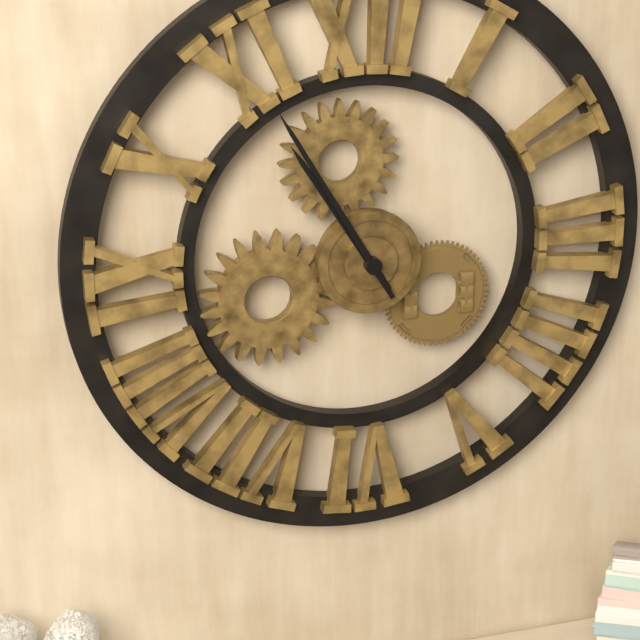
**10:55**
